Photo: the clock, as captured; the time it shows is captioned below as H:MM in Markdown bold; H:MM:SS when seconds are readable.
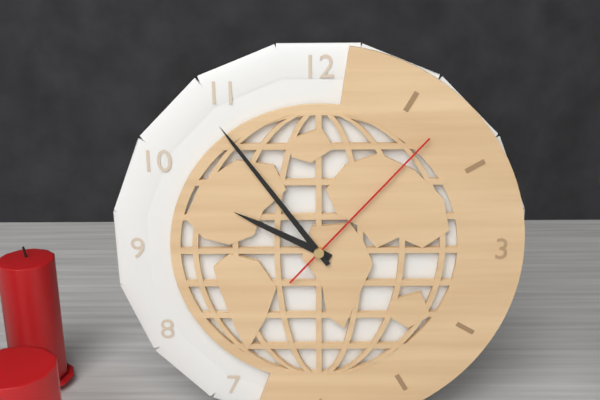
**9:54:07**
